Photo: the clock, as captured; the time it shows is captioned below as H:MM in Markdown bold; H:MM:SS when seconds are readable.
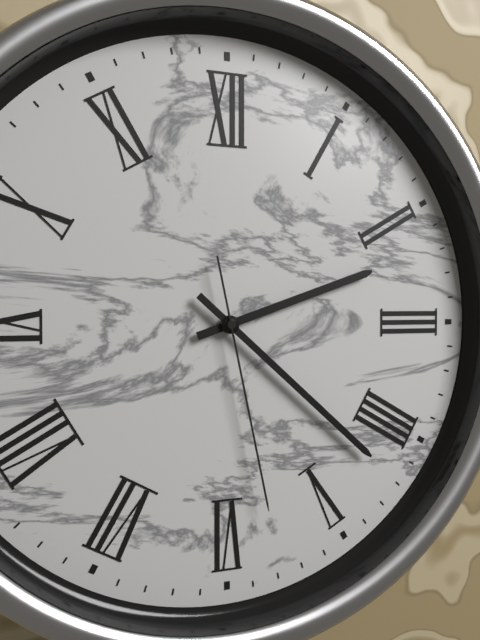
**2:22:28**
